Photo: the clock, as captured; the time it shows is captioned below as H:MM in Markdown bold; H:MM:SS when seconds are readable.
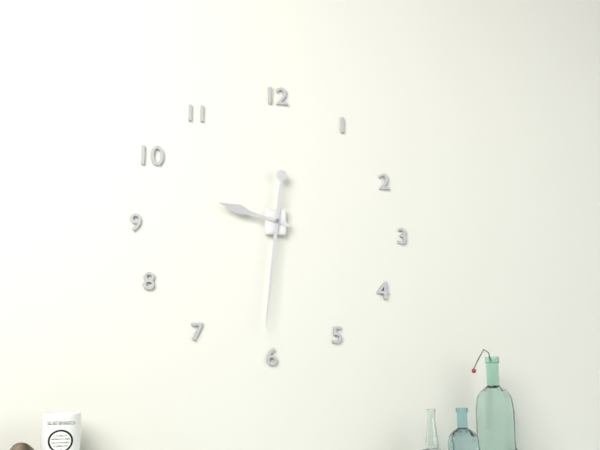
**9:31**
